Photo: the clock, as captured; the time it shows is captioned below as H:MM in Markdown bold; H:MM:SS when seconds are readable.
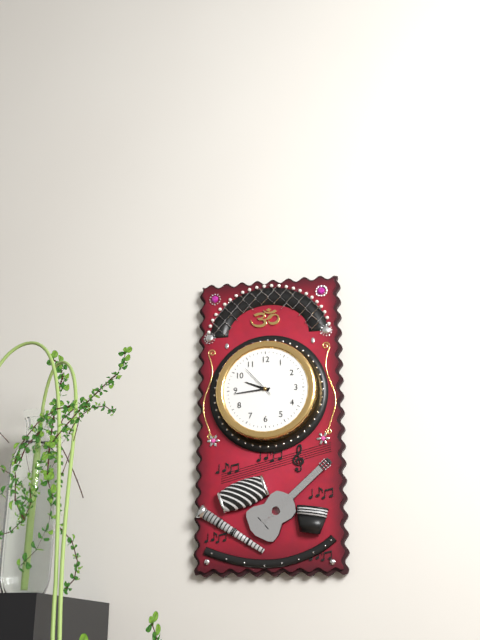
**9:44**
